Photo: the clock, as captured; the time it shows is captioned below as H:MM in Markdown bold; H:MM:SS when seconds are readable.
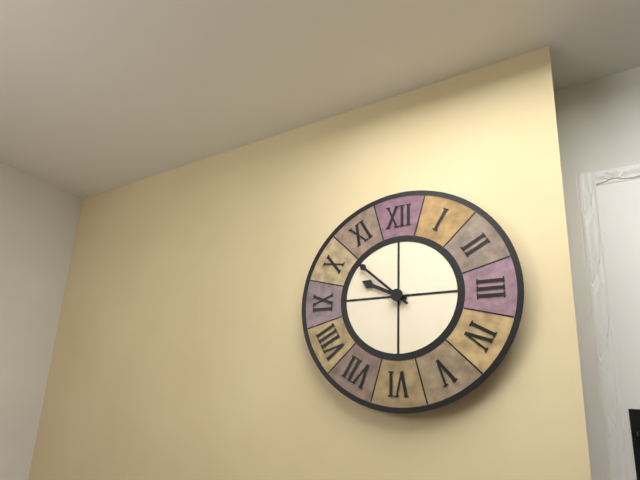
**9:52**
